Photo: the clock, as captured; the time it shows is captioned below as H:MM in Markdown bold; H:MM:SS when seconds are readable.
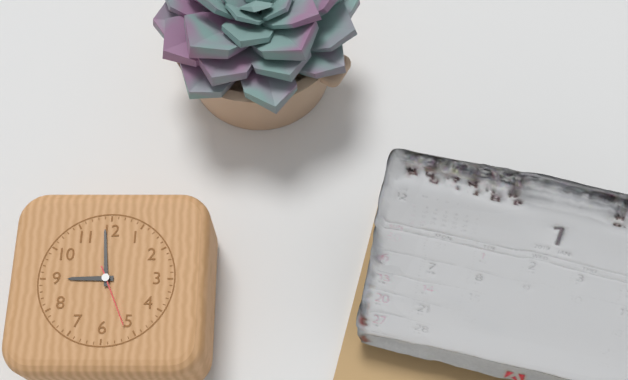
**8:59:26**
